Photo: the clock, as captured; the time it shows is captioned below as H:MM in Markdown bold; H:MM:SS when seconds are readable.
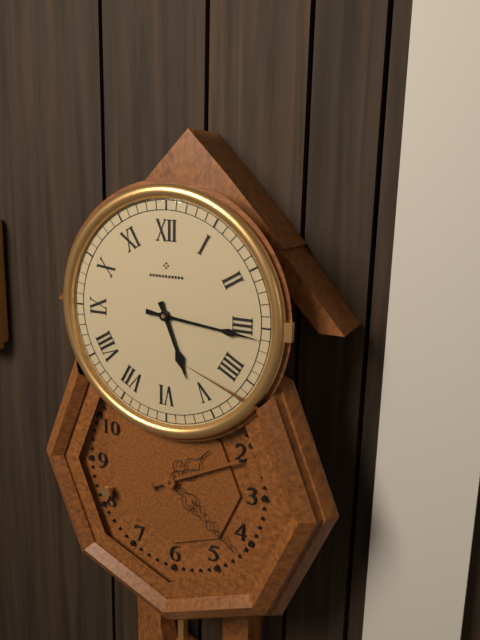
**5:16**
